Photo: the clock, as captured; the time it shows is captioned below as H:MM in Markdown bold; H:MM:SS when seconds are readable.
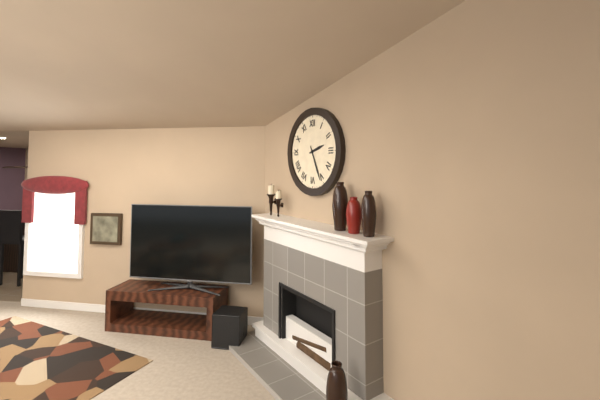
**2:26**
